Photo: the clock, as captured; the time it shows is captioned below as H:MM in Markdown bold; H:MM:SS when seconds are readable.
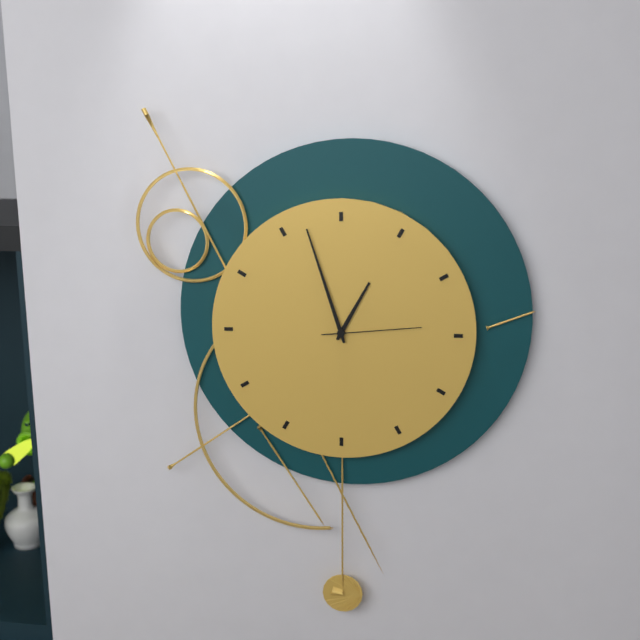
**12:57:14**
